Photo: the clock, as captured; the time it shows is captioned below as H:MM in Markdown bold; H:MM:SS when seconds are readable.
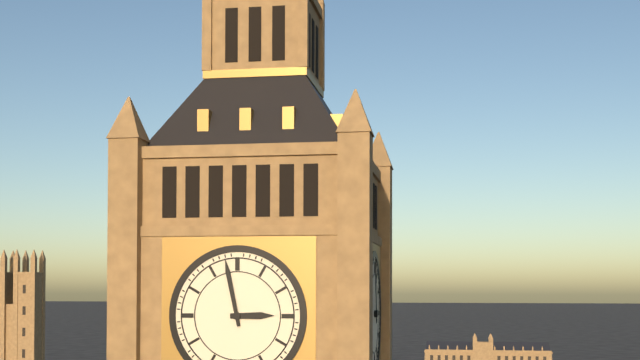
**2:58**
